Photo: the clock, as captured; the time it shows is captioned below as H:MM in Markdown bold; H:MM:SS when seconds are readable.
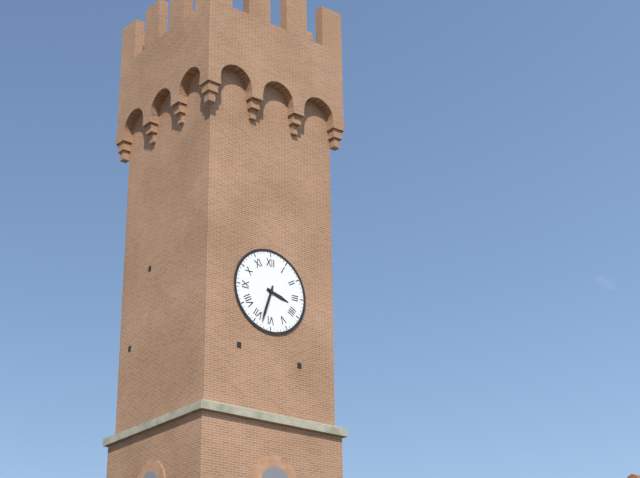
**3:33**
